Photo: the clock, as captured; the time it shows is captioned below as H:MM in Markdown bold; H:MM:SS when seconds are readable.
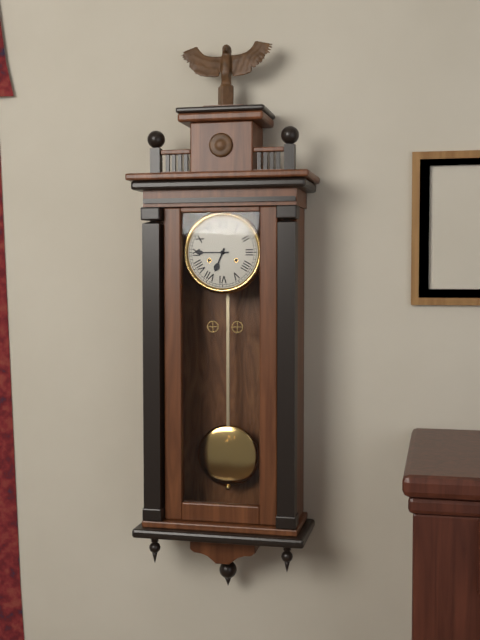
**6:45**
